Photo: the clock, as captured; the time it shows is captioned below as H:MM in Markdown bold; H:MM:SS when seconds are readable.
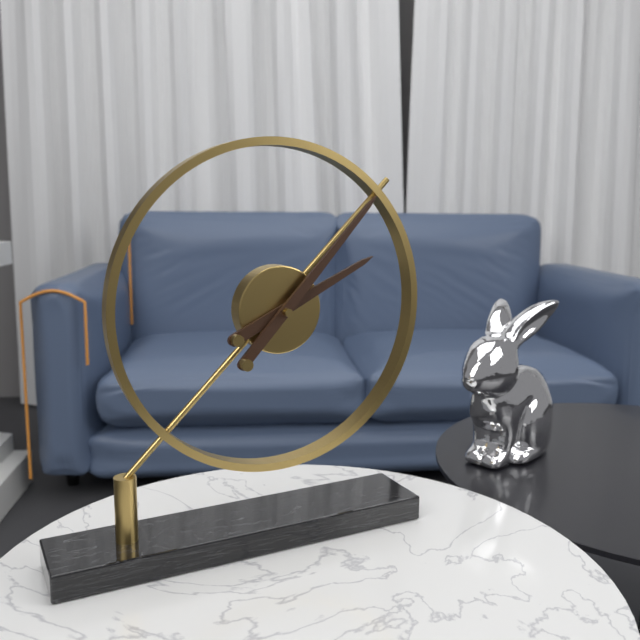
**2:07**
